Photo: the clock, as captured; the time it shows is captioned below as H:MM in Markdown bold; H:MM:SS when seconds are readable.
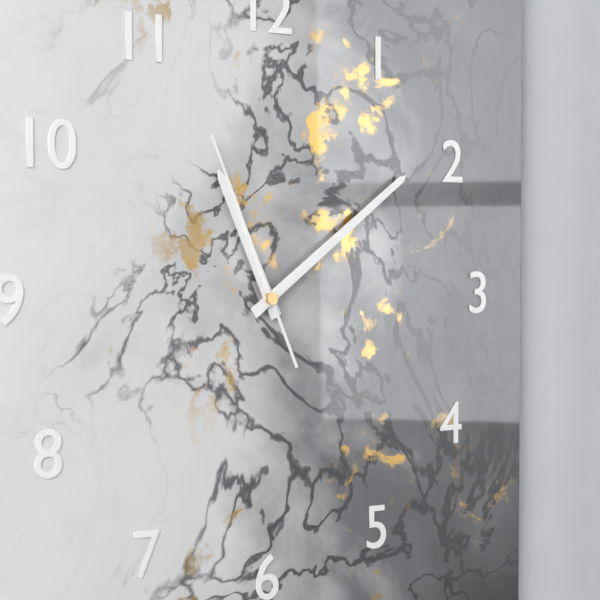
**11:09:56**
